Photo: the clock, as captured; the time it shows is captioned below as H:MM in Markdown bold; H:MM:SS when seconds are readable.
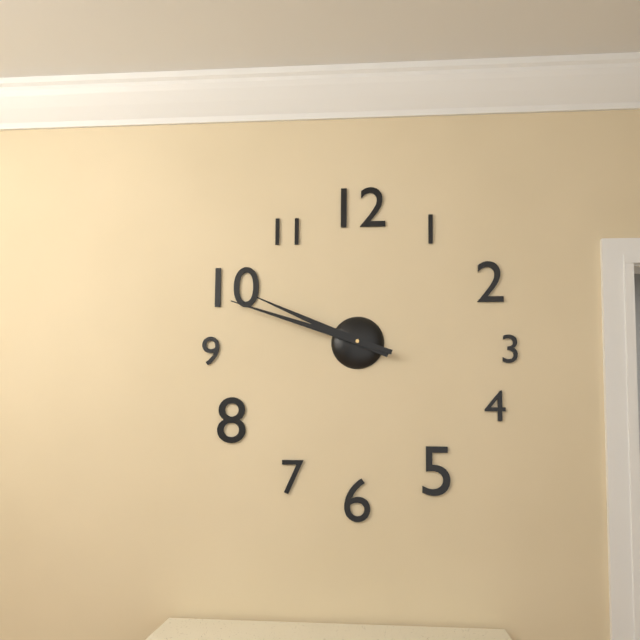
**9:48**
